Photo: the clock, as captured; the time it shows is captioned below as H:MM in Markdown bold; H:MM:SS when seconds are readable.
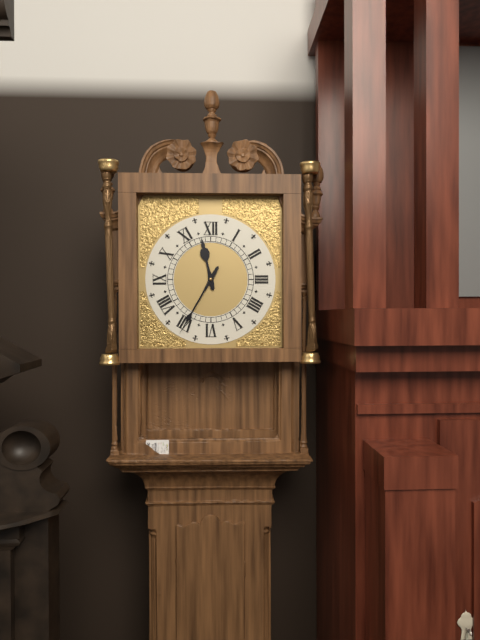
**11:35**
